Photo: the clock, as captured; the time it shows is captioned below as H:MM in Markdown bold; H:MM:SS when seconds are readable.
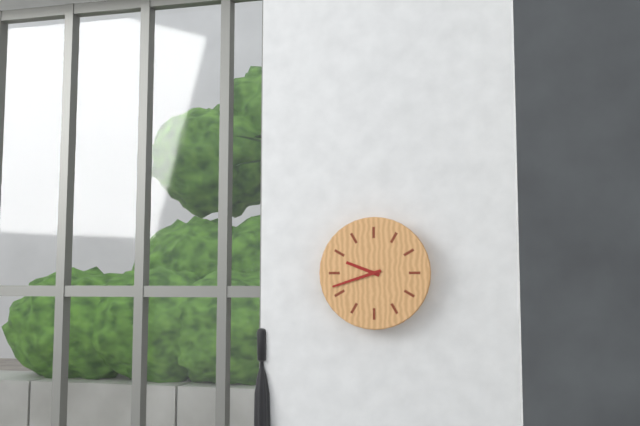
**9:42**
